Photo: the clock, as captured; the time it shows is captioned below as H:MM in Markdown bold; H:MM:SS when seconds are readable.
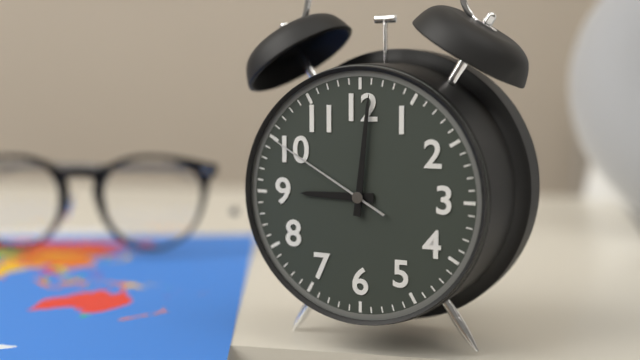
**9:01:50**
